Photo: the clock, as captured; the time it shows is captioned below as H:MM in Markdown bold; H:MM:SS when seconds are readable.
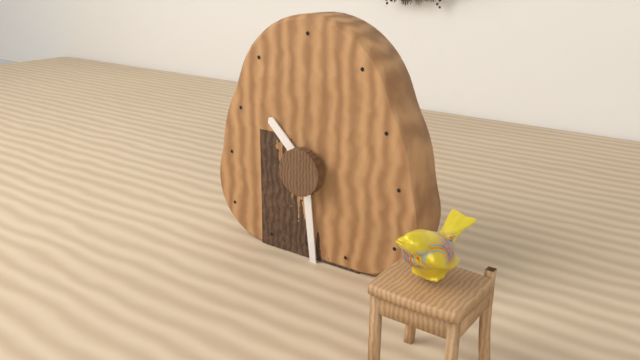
**10:29**
